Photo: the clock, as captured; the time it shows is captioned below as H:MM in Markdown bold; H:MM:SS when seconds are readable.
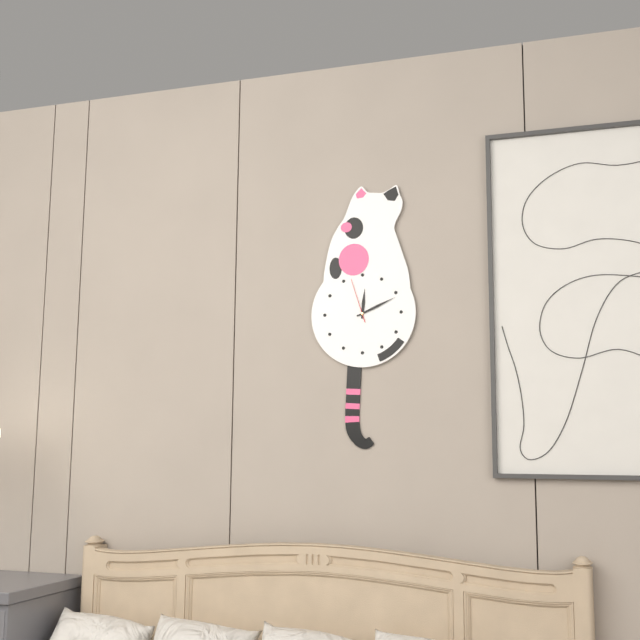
**12:11**
